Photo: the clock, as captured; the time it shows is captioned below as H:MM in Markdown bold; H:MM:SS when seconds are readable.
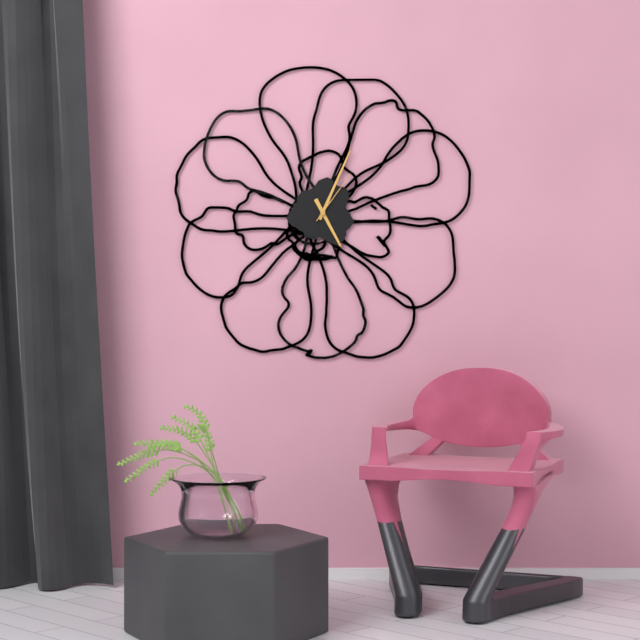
**5:04:06**
